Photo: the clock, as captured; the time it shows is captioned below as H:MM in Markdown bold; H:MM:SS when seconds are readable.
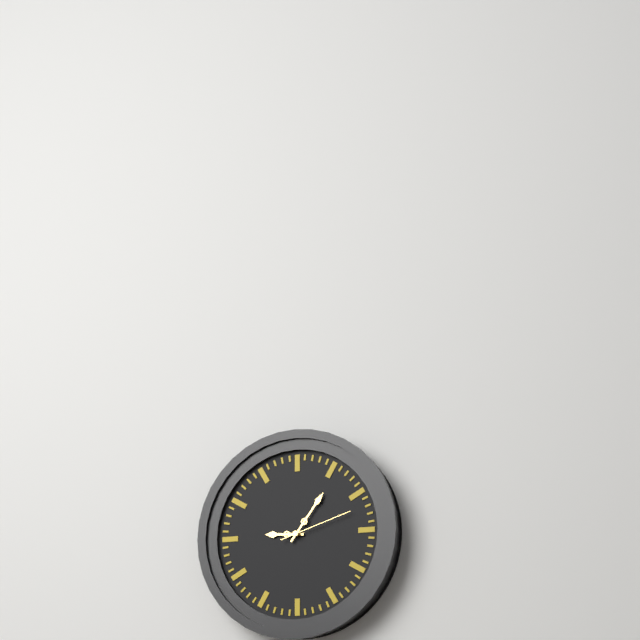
**9:06:12**
